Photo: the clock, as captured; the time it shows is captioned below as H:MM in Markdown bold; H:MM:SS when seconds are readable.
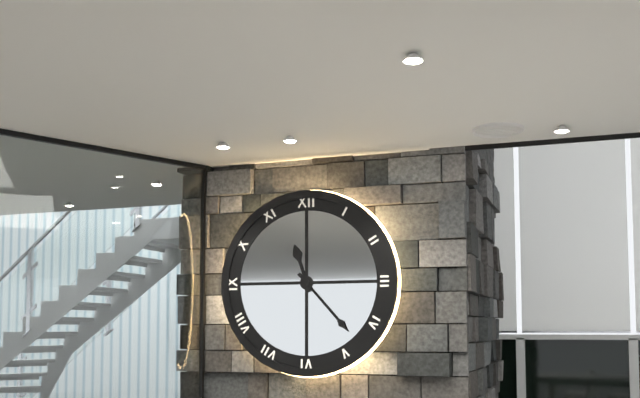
**11:23**
